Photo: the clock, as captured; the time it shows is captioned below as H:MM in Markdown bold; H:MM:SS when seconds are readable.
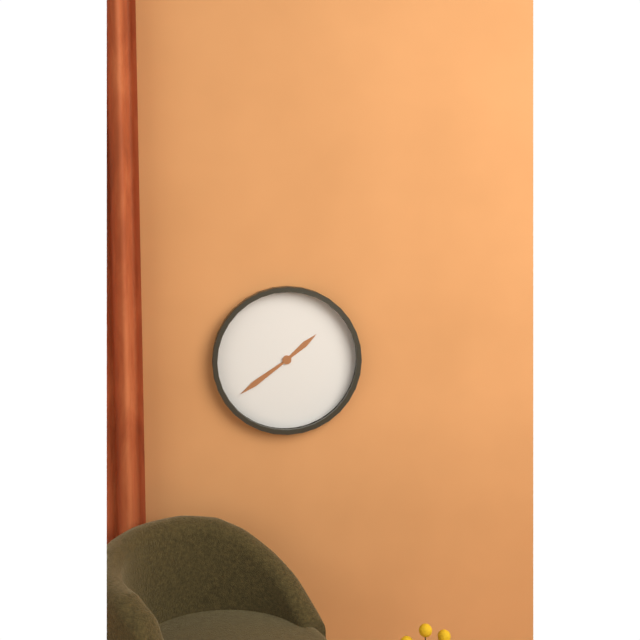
**1:39**
